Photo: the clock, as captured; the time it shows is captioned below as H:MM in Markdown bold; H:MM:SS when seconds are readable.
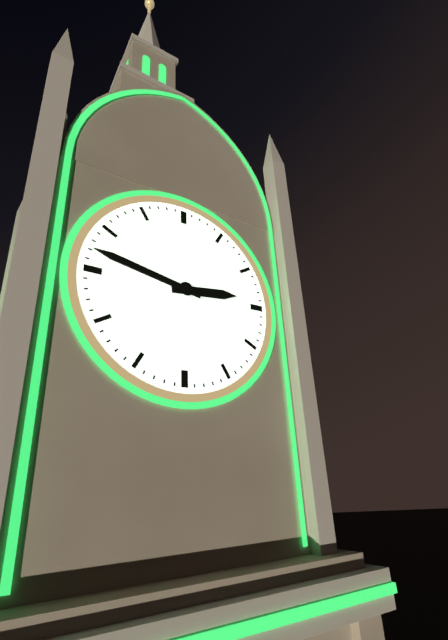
**2:47**
